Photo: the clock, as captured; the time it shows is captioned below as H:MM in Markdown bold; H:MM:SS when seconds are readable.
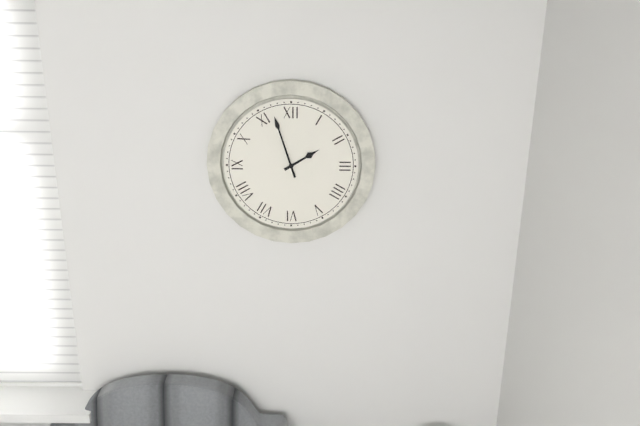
**1:57**
